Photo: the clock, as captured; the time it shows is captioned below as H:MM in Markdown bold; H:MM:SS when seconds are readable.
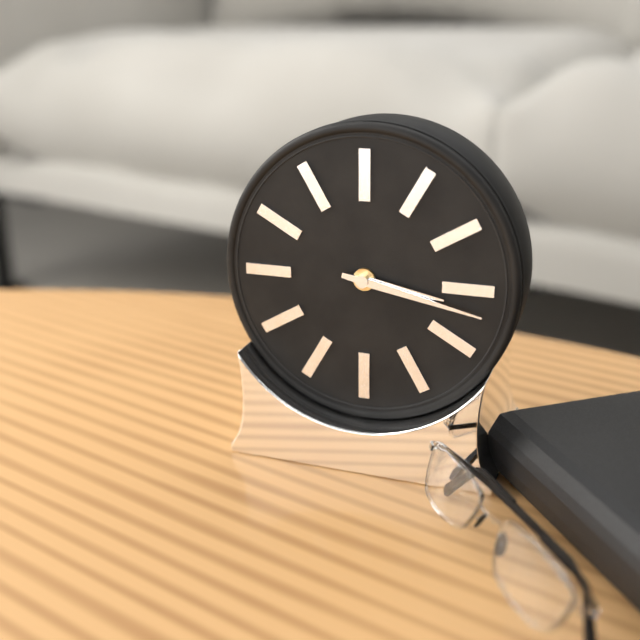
**3:17**
